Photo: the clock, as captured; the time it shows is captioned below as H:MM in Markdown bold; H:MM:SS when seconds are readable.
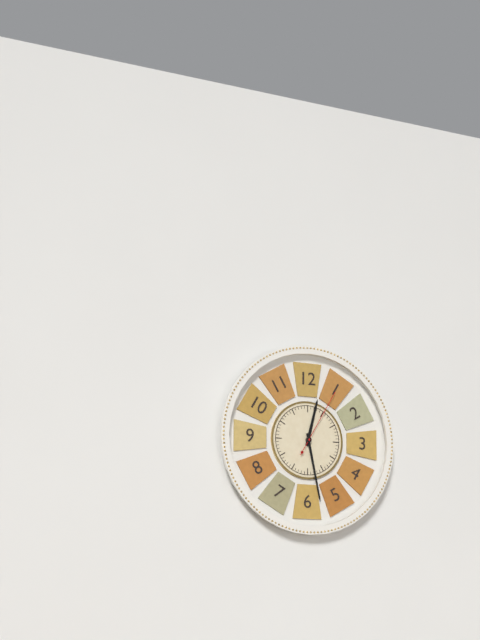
**12:28:05**
